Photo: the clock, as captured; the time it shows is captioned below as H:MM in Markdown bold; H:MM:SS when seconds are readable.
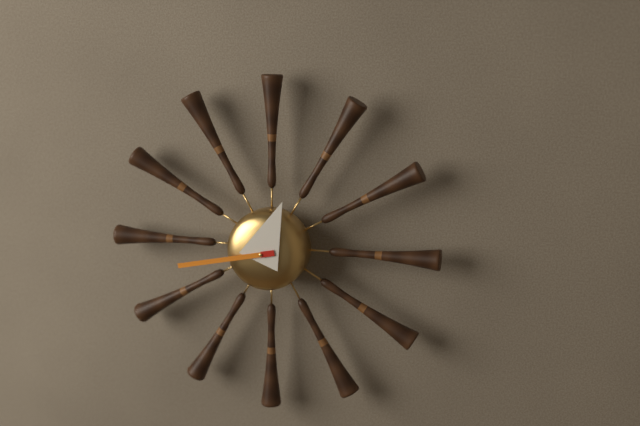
**12:43**
